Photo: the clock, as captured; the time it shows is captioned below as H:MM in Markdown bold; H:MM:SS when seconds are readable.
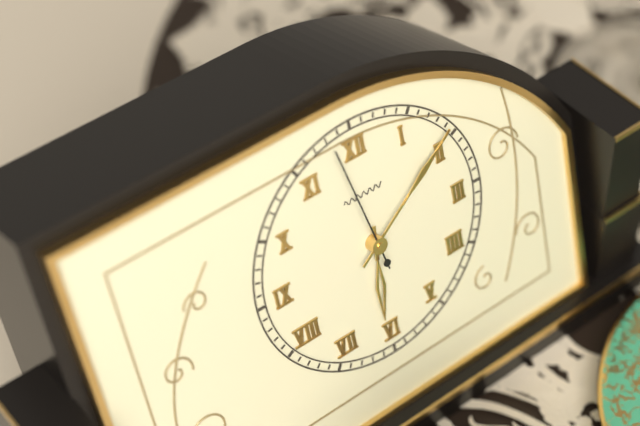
**6:09:58**
